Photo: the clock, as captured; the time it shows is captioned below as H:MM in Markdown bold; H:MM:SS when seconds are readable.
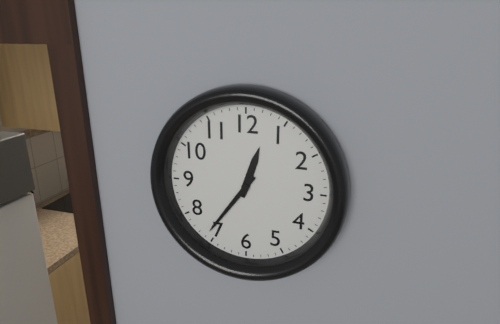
**12:36**
